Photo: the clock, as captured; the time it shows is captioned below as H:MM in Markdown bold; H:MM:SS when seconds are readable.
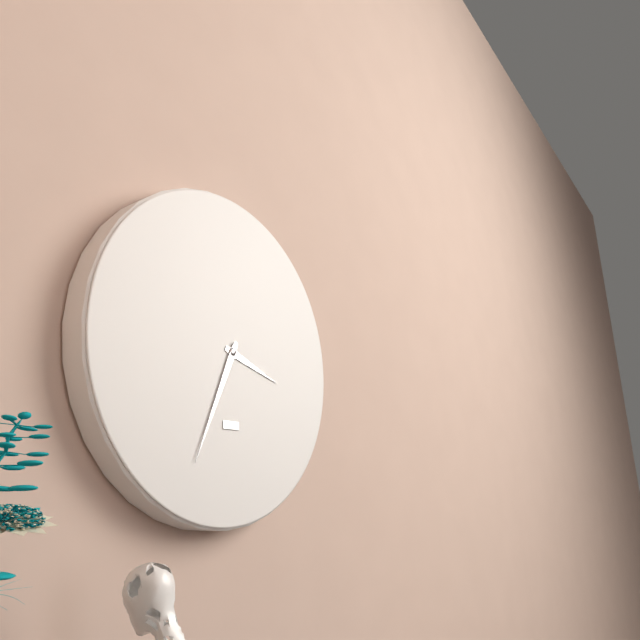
**3:34**
